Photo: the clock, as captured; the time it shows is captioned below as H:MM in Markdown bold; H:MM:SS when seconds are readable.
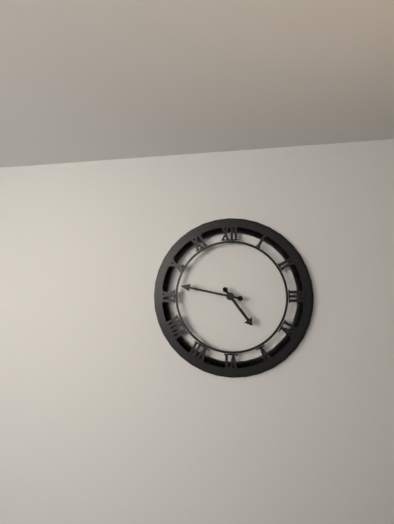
**4:47**
